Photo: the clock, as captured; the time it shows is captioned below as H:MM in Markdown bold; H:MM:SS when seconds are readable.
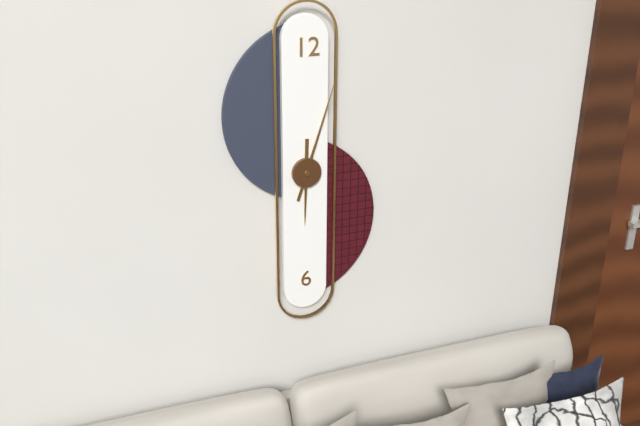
**6:03**
